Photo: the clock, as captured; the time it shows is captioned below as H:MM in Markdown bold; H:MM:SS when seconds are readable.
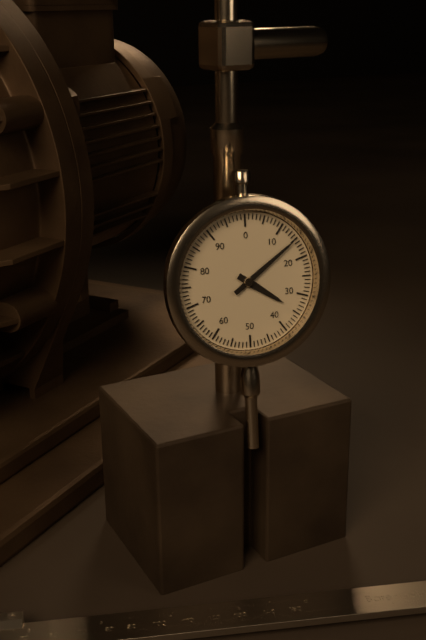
**4:09**
